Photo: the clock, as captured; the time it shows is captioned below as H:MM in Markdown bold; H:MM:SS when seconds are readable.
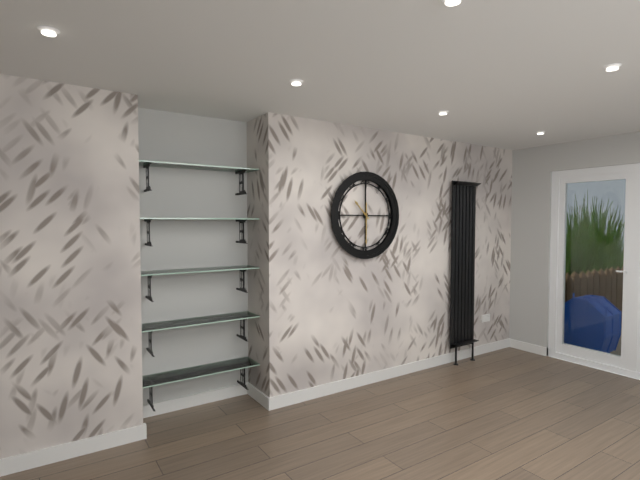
**10:30**
